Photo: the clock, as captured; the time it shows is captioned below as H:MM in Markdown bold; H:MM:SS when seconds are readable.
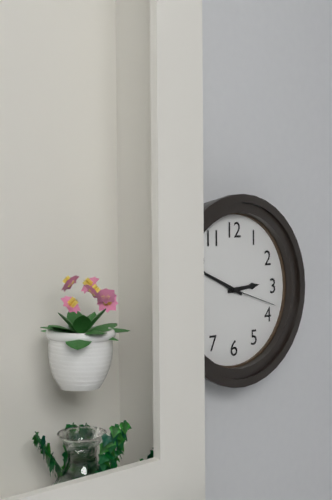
**2:49:18**
